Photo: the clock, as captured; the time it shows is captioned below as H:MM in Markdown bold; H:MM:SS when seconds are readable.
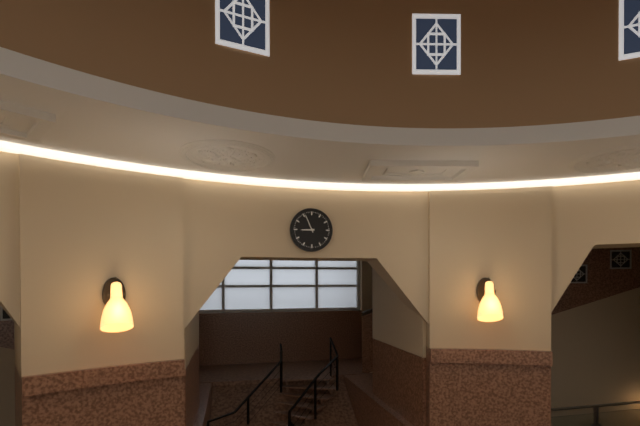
**8:56**
